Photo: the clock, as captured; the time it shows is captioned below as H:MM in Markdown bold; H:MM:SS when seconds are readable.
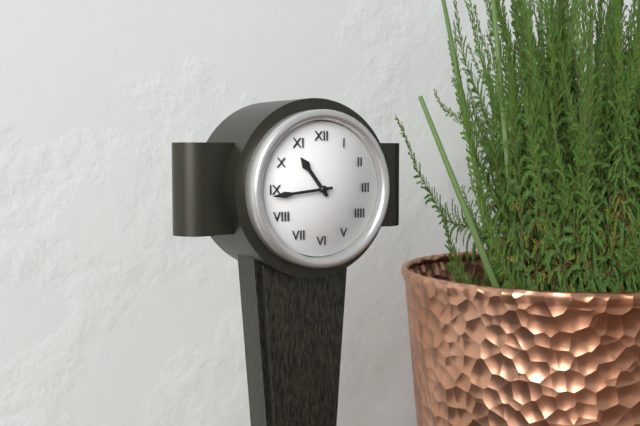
**10:44**
